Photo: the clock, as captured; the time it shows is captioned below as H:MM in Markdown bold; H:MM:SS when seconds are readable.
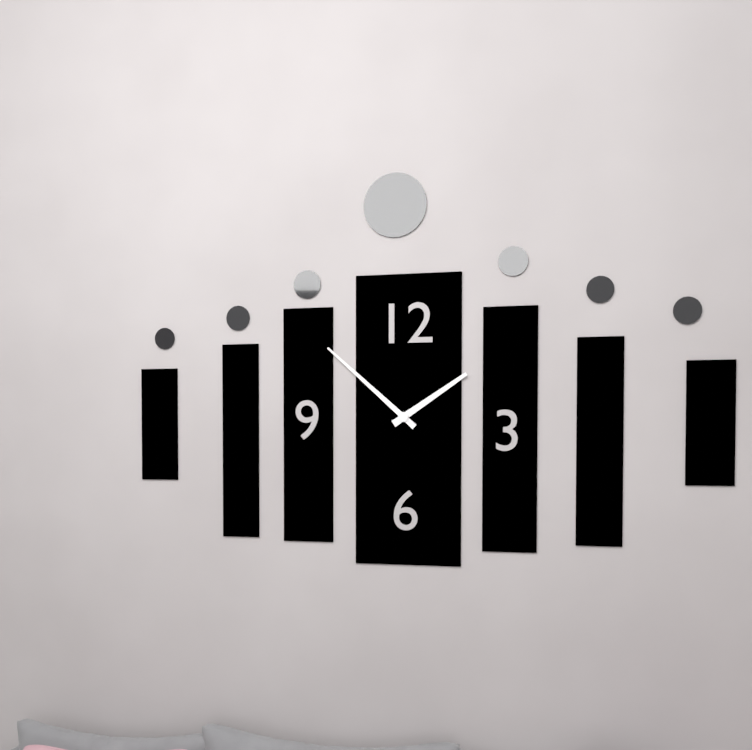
**1:52**
